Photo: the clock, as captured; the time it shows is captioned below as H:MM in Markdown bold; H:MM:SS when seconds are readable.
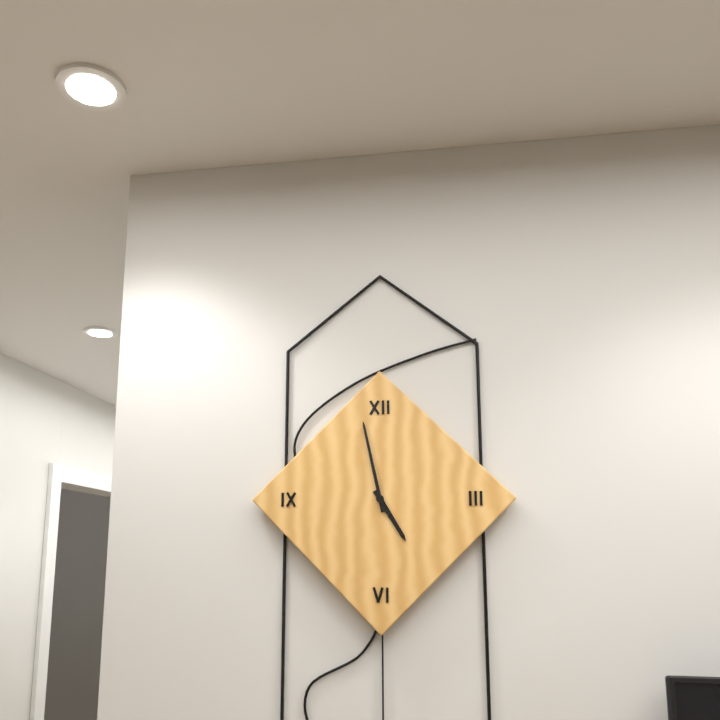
**4:58**
